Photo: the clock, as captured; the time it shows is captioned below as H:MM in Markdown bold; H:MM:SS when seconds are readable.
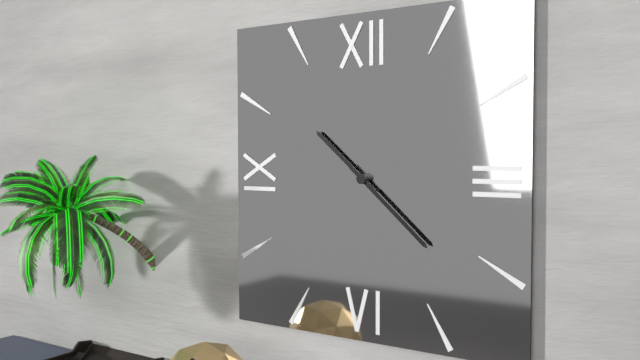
**10:22**
